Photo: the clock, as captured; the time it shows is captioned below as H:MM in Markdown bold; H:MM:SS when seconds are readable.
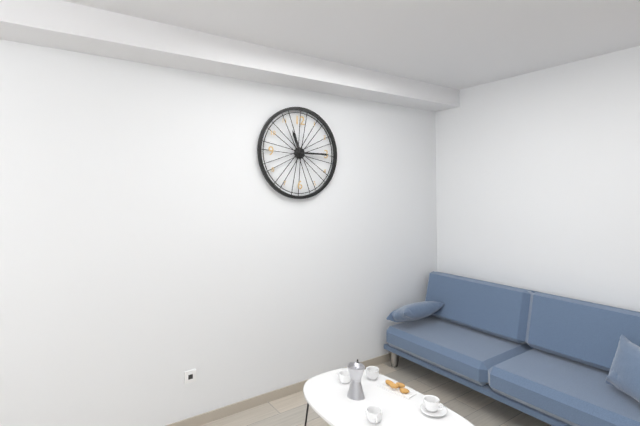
**11:15**
